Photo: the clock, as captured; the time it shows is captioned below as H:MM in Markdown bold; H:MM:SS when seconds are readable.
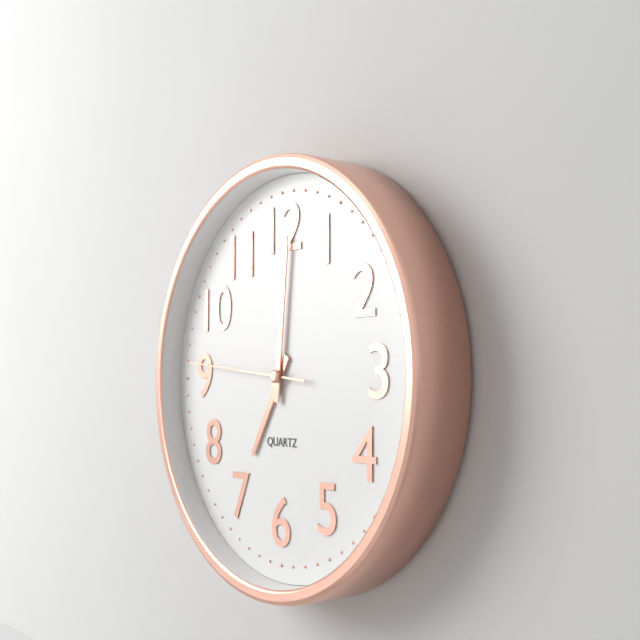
**7:01:46**
